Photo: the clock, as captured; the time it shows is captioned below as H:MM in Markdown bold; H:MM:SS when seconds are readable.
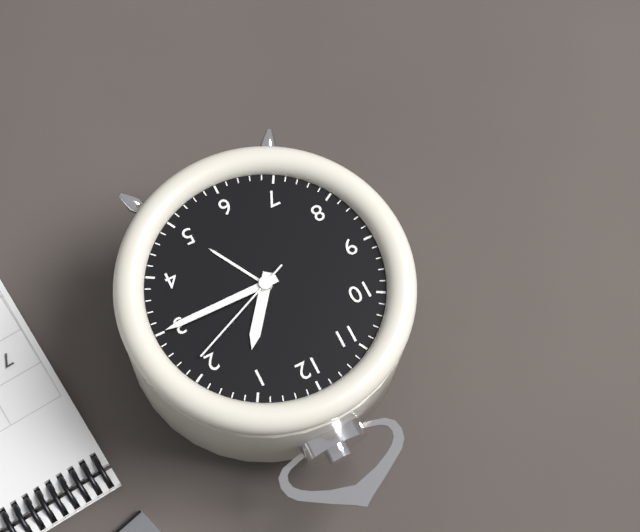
**1:15:11**
